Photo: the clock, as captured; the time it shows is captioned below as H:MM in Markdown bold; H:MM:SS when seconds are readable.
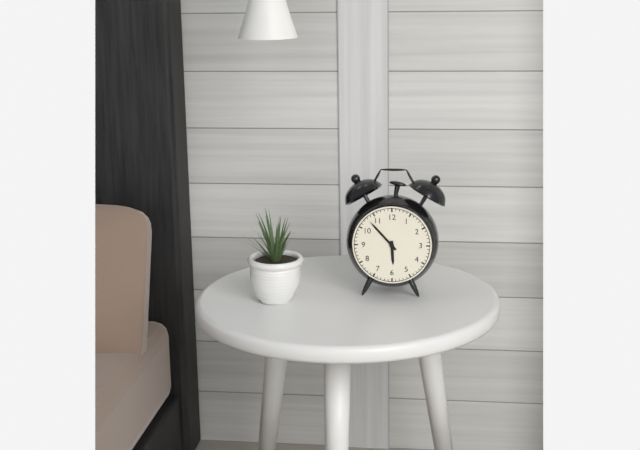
**5:53**
